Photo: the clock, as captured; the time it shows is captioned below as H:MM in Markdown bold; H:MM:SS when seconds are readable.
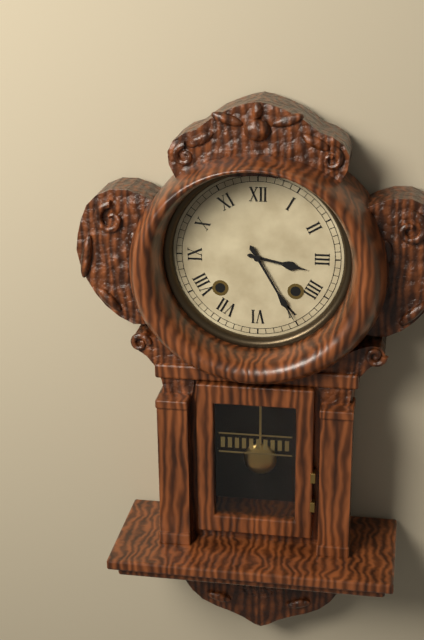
**3:25**
